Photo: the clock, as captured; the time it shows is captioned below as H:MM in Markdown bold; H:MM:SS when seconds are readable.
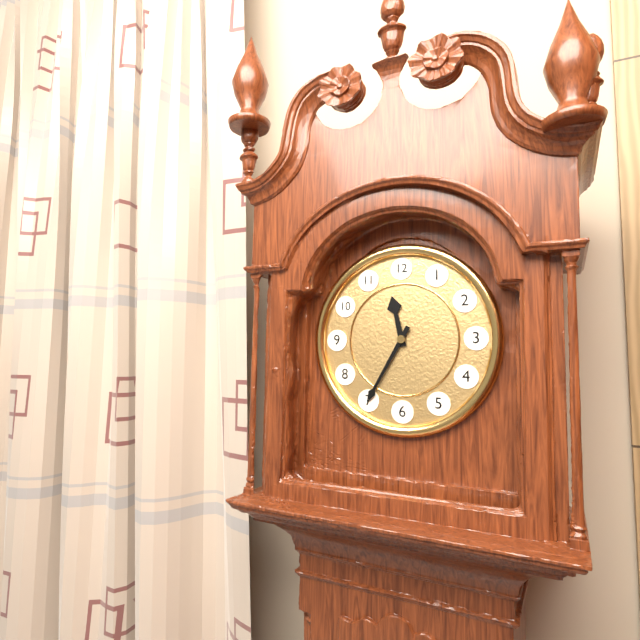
**11:35**
